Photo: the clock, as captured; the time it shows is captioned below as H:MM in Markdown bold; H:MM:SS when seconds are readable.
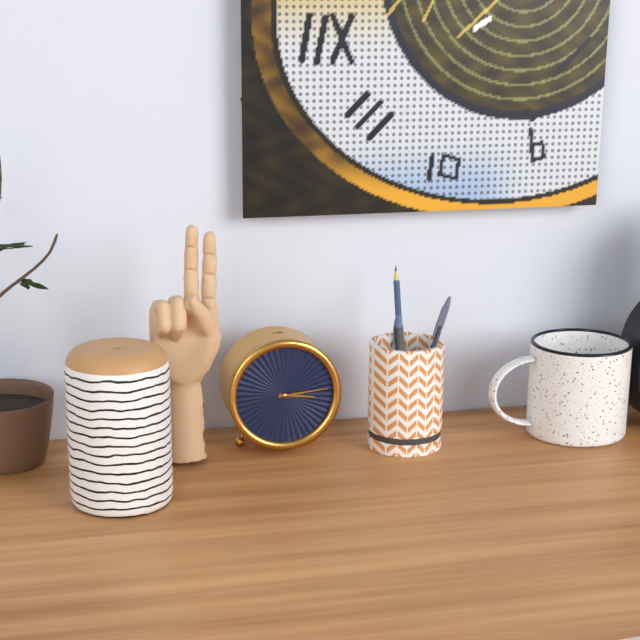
**3:14**
